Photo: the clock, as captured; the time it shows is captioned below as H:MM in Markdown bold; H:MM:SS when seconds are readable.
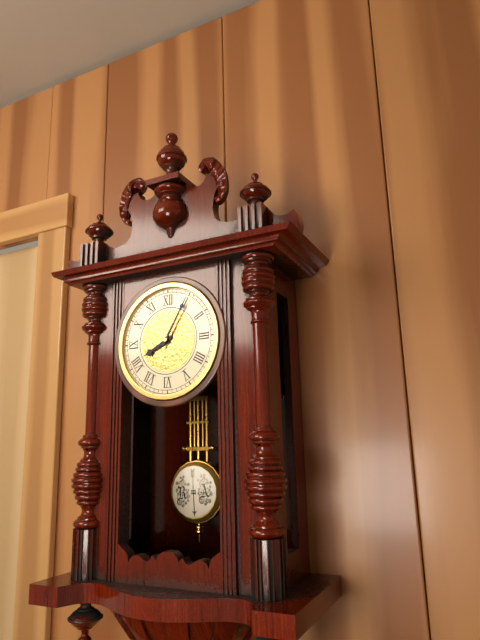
**8:05**
